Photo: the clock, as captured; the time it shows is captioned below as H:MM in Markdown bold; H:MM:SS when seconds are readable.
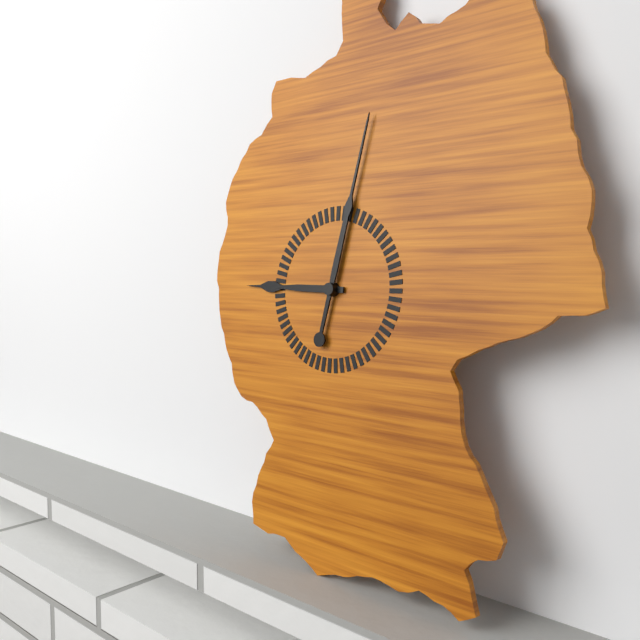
**9:02**
